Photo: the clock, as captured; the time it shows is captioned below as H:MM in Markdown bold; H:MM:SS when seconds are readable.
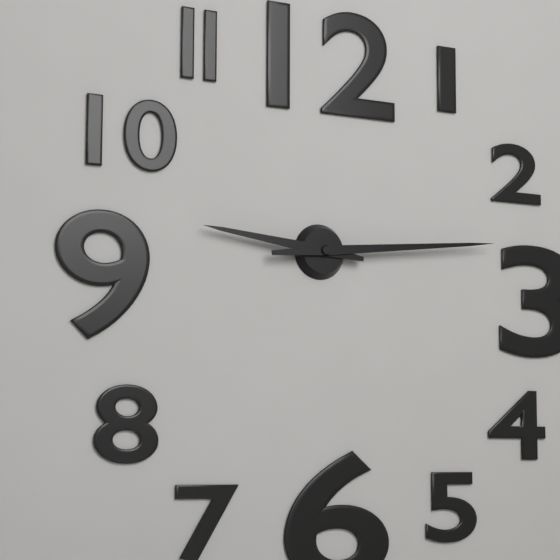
**9:14**
